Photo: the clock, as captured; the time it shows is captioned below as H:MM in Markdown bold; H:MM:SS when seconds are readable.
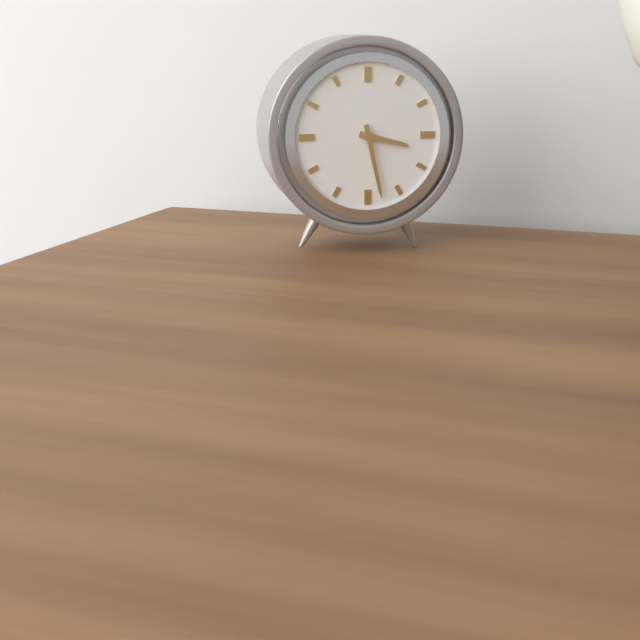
**3:28**
